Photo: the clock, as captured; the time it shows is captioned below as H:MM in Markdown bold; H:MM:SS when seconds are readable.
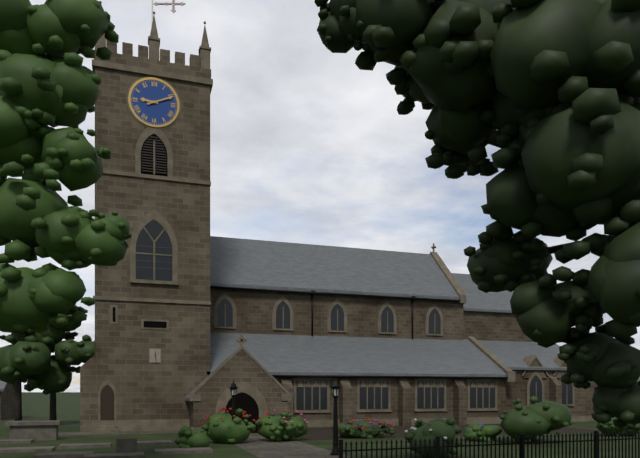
**9:11**
